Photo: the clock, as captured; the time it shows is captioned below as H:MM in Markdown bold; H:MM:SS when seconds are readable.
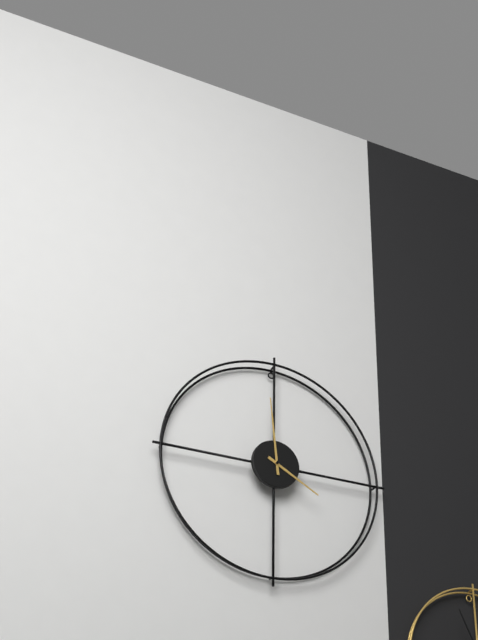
**3:59**
